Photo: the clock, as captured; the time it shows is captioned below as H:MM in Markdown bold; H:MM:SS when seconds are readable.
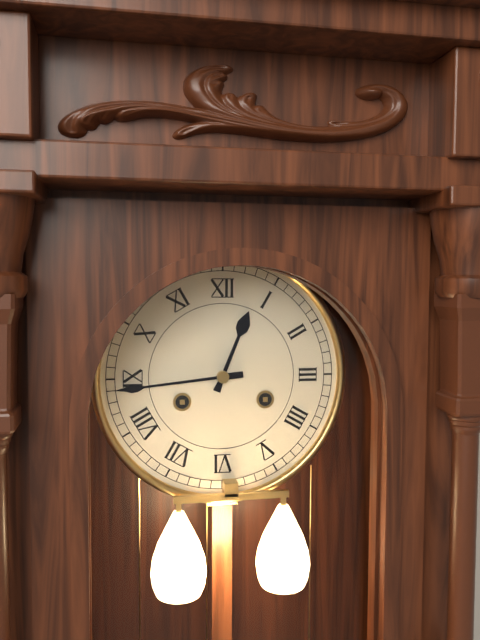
**12:44**
